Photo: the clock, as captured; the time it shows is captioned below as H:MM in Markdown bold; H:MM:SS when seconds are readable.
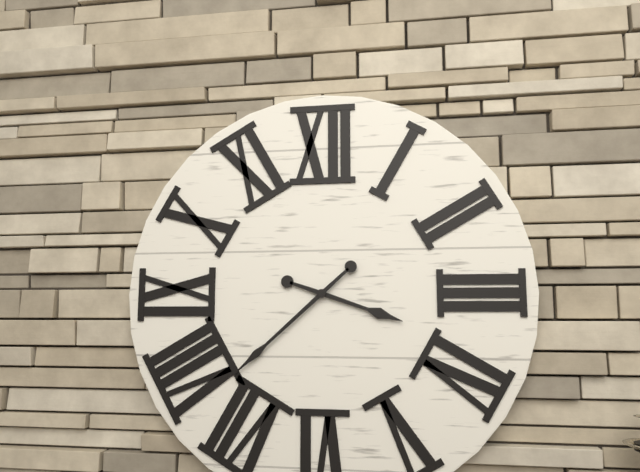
**3:38**
